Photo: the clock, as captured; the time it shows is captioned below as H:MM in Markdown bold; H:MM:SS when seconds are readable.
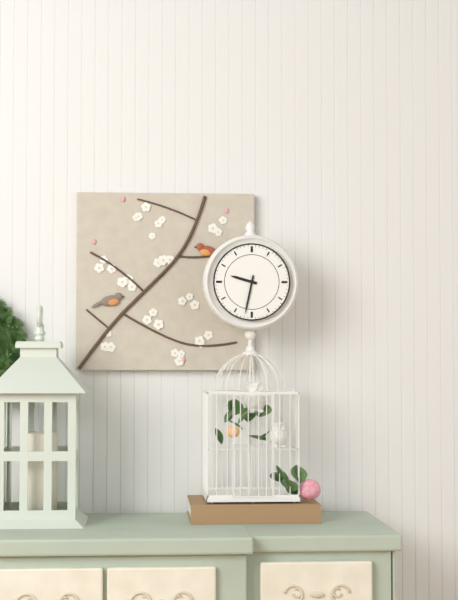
**9:32**
